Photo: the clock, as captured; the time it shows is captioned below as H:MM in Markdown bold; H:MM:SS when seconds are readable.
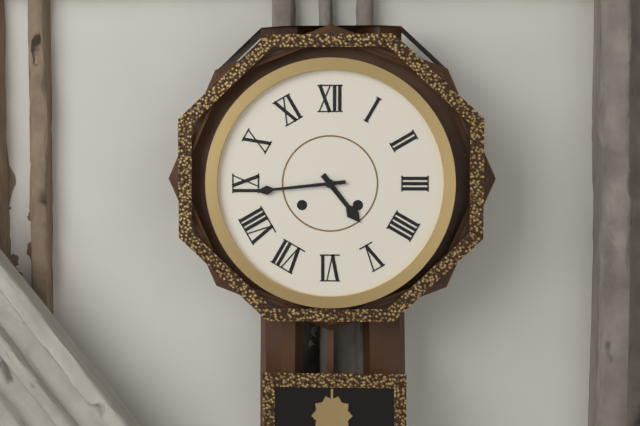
**4:44**
